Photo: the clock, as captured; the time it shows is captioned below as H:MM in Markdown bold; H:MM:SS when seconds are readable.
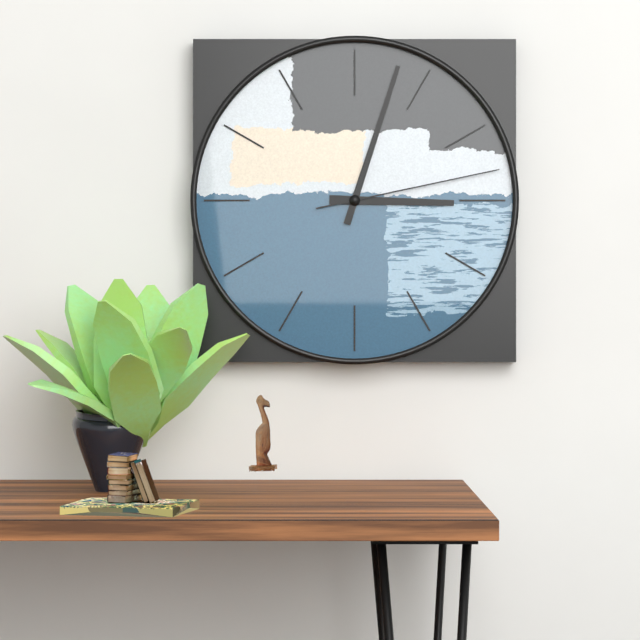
**3:03:13**
